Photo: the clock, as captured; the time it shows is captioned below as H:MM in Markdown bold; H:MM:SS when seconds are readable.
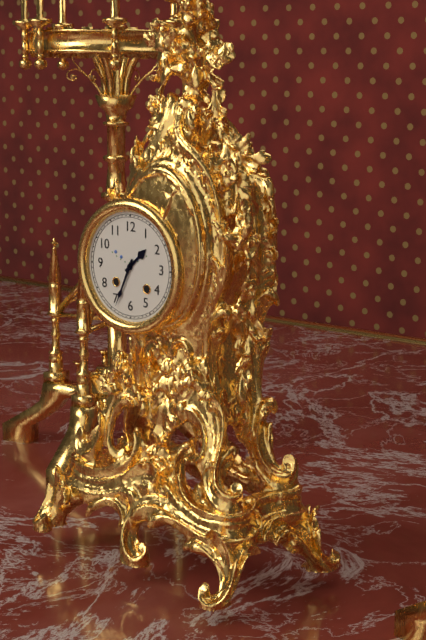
**1:34**
